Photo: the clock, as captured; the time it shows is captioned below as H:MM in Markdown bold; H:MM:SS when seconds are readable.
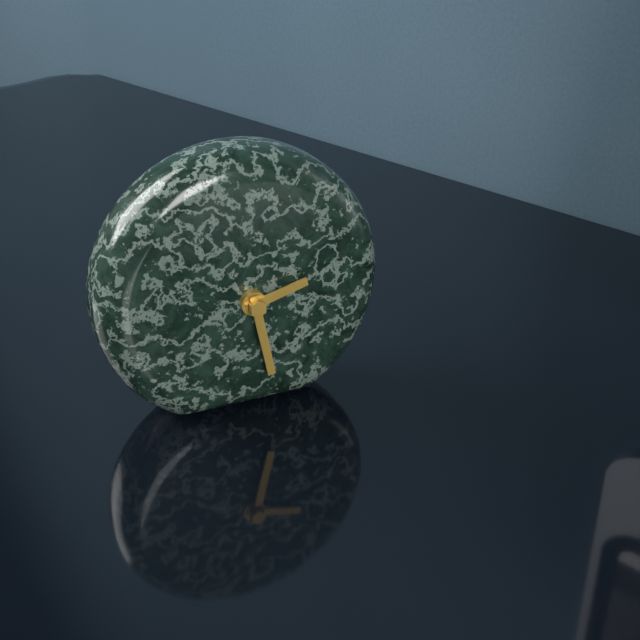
**2:28**
